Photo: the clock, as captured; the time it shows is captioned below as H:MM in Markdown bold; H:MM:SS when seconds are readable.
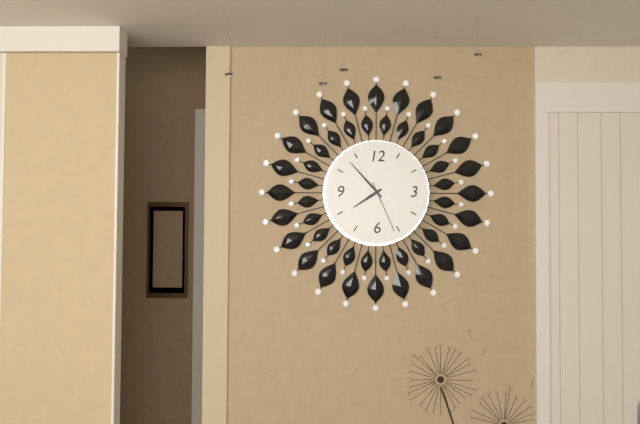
**7:53:26**
